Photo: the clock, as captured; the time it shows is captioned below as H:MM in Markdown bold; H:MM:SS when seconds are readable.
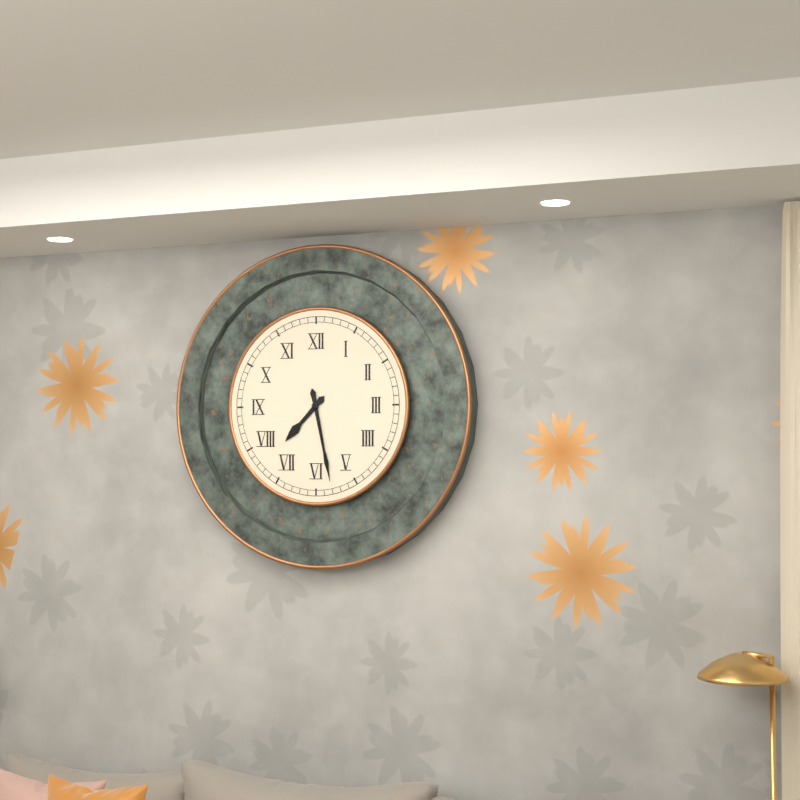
**7:28**
